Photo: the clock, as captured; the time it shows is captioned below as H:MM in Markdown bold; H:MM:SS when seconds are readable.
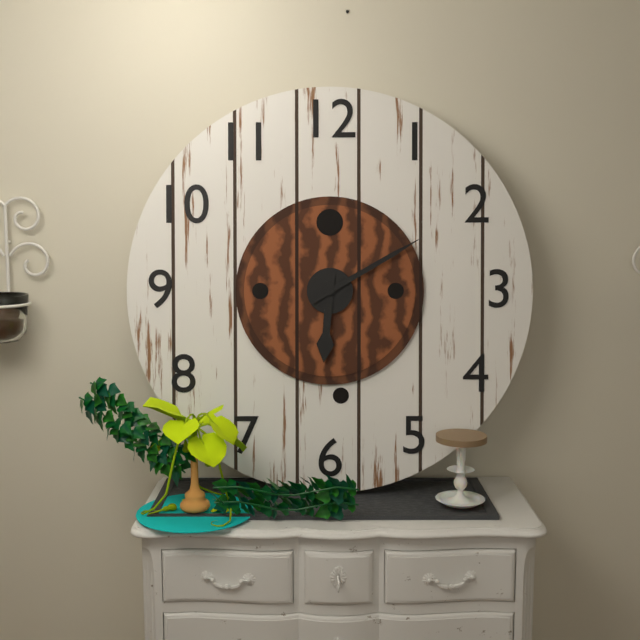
**6:10**
